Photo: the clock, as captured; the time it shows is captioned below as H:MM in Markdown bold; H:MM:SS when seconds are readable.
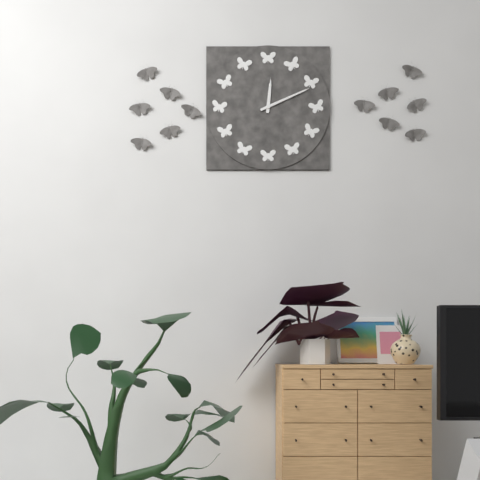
**12:11**
